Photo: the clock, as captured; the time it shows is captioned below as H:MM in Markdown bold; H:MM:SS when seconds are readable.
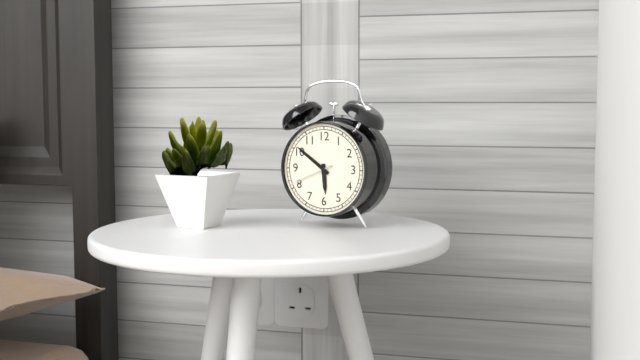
**5:51**
